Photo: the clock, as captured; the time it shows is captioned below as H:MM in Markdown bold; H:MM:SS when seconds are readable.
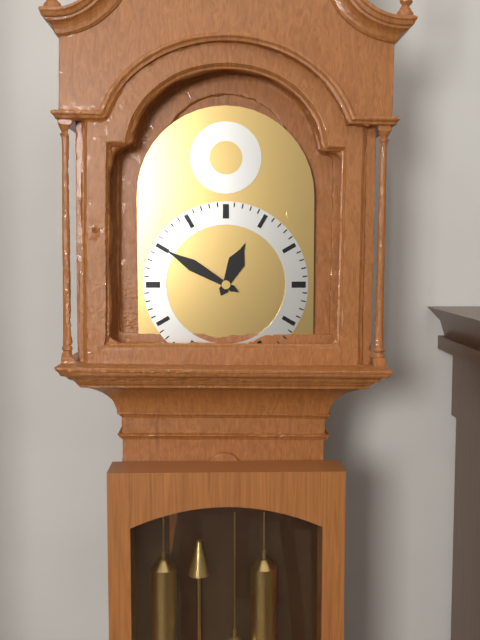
**12:50**
